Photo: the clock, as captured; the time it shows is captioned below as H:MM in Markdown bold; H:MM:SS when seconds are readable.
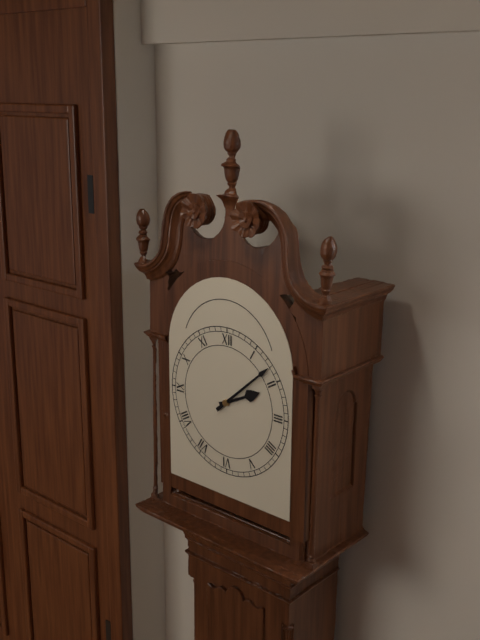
**2:08**
